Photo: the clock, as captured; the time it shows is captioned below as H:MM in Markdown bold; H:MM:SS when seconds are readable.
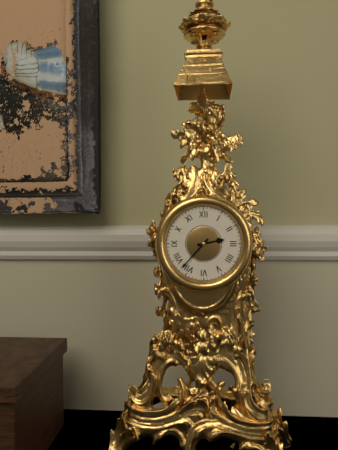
**2:37**
